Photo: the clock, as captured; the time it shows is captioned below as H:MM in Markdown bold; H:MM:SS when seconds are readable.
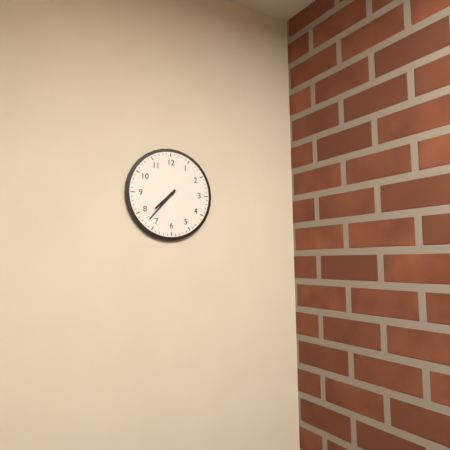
**7:37**
